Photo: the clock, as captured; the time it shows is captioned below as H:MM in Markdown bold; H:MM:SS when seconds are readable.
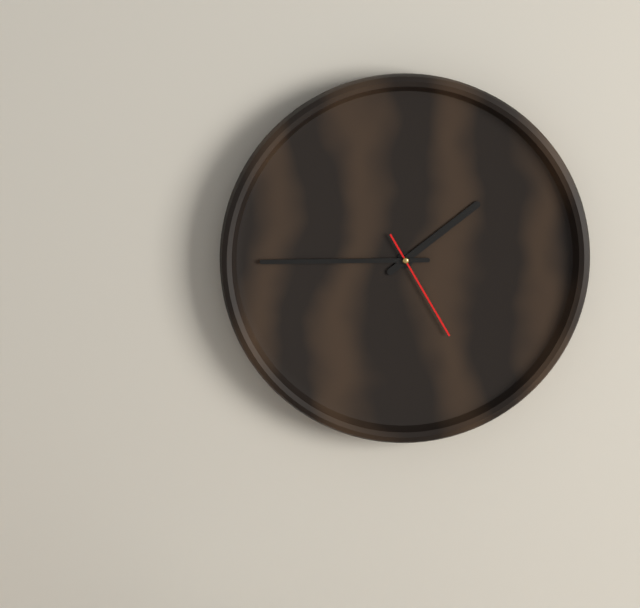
**1:45:25**
